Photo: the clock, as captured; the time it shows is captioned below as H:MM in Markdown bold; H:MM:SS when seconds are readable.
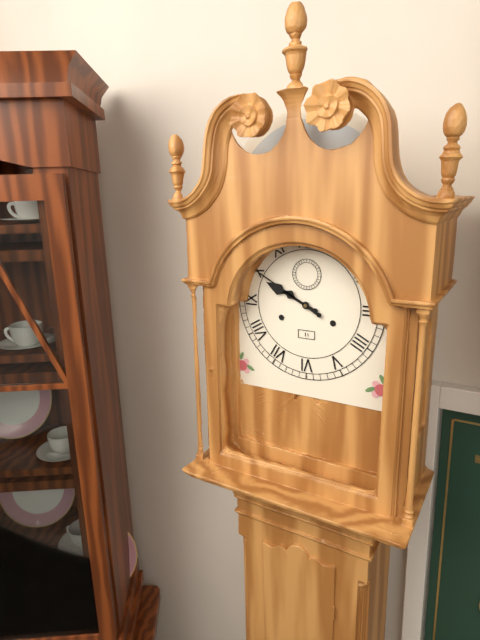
**9:50**
